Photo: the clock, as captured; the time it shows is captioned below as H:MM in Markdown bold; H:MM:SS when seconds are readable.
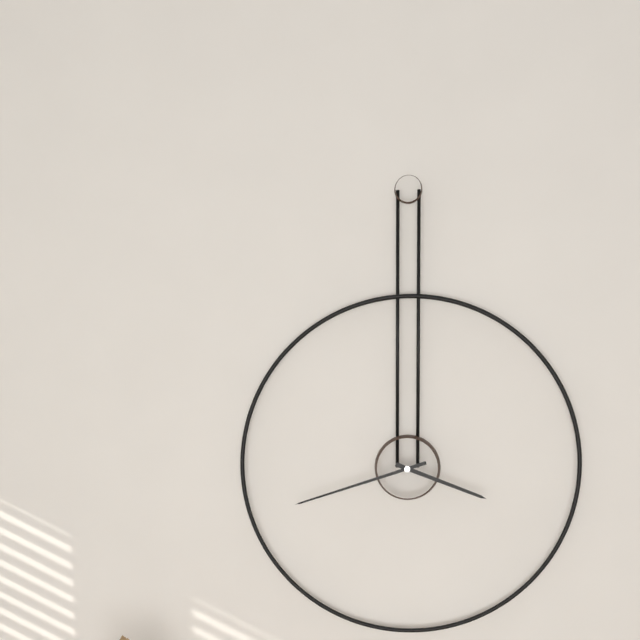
**3:42**
